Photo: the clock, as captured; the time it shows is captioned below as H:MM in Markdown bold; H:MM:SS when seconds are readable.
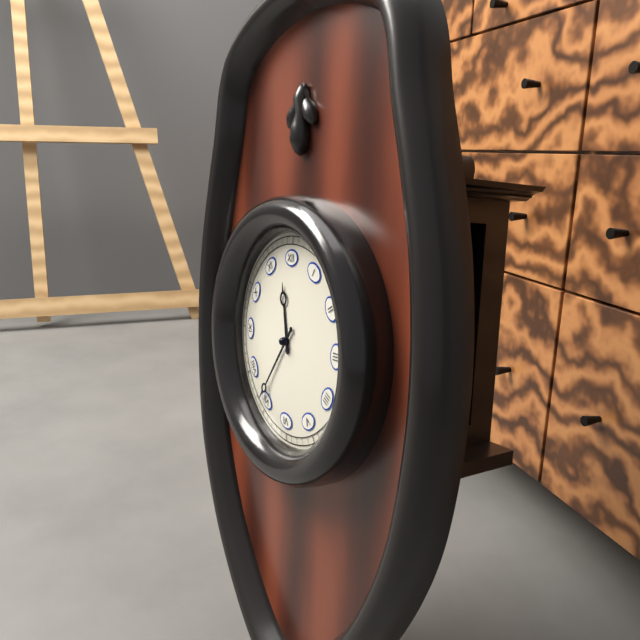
**11:36**
